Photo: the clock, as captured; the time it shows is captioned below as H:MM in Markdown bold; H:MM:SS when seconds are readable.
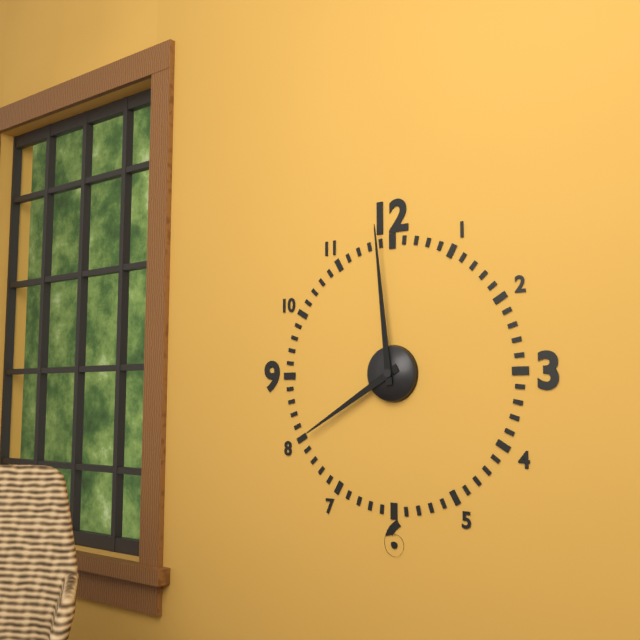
**7:59**
